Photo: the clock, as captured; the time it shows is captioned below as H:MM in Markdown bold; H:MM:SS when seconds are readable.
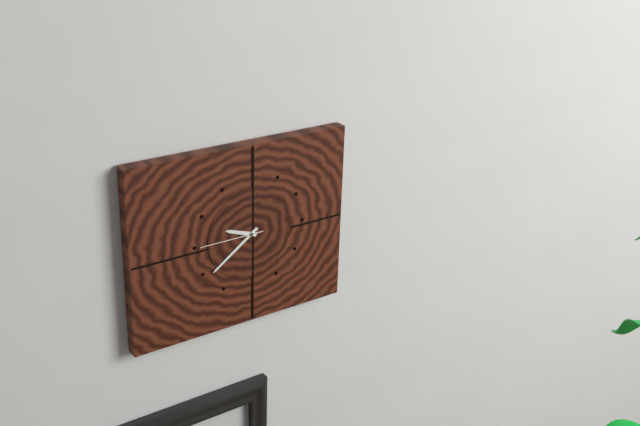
**9:39:45**
